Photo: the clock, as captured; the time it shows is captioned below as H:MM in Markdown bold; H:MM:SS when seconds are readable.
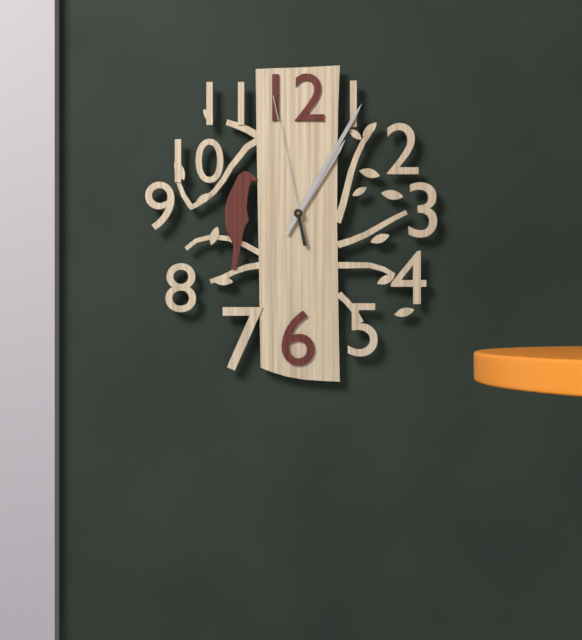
**1:05:58**
